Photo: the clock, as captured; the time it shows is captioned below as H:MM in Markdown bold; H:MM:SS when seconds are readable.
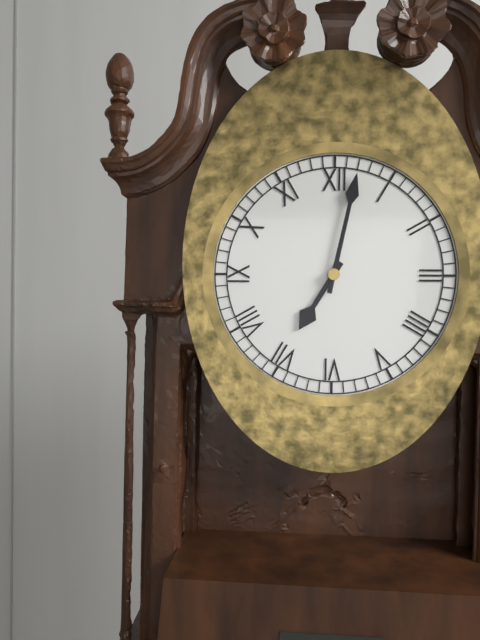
**7:02**
